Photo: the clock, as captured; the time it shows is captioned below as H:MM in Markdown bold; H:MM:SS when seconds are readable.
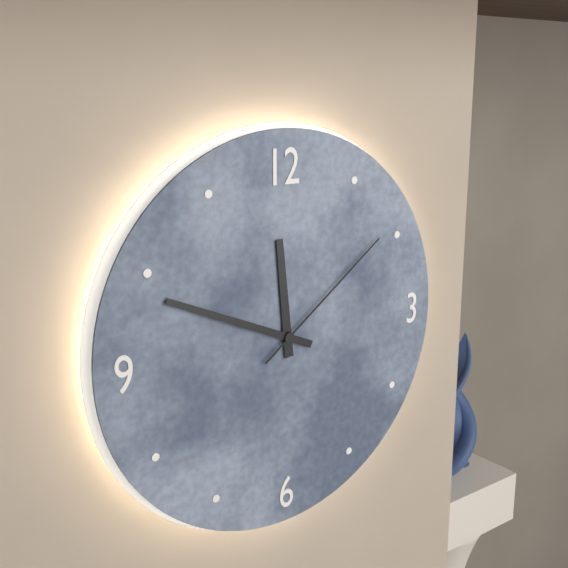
**11:49:09**
